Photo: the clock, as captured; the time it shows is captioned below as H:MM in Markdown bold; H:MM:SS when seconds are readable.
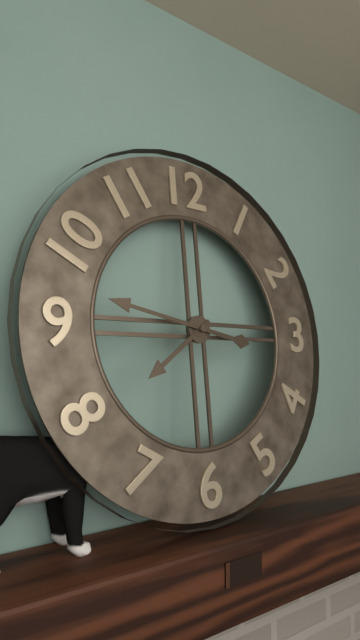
**7:47**
